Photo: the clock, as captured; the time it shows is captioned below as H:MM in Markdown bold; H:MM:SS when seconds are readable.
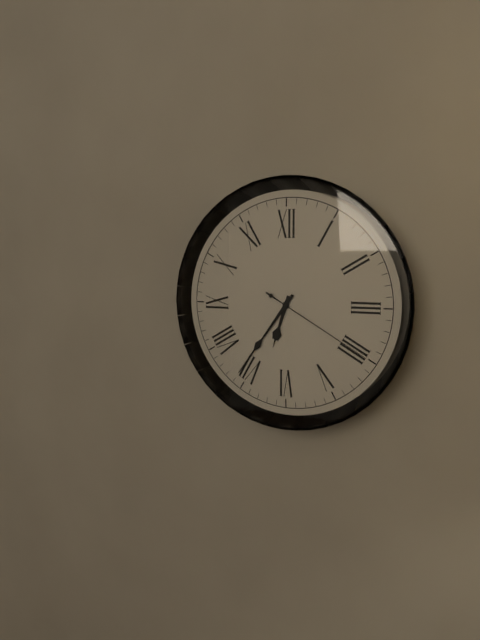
**6:36:20**
